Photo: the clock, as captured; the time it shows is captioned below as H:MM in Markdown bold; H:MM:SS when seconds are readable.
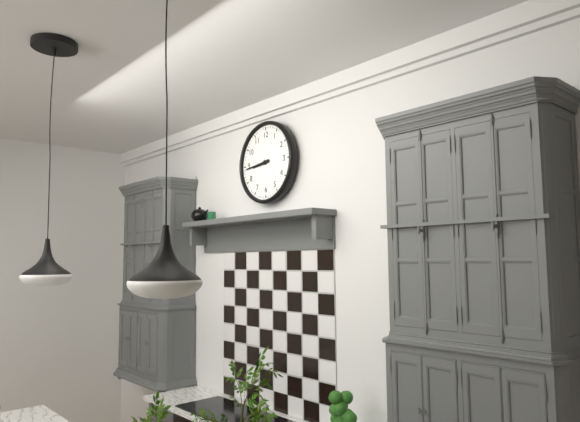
**8:44**
